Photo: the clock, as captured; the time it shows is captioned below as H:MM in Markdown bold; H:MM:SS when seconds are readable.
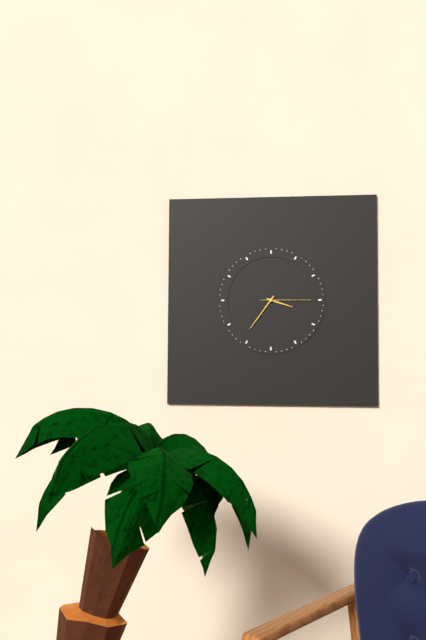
**3:36:15**
